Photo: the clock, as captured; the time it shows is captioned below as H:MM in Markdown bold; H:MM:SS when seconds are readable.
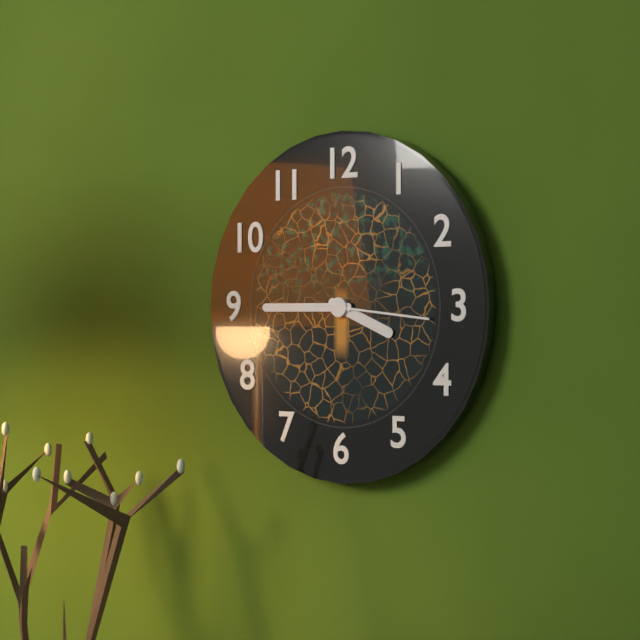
**3:45:16**
